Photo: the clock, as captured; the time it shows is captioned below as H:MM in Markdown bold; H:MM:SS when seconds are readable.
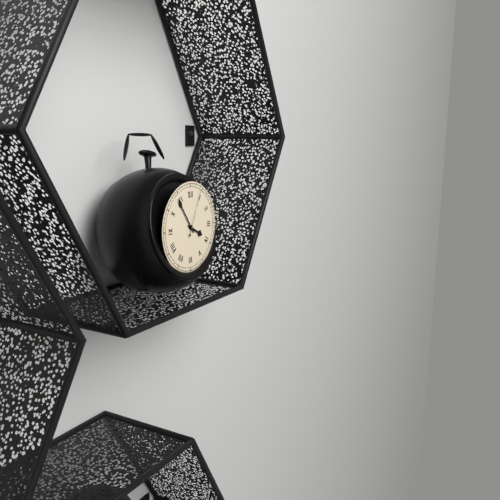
**3:54**
